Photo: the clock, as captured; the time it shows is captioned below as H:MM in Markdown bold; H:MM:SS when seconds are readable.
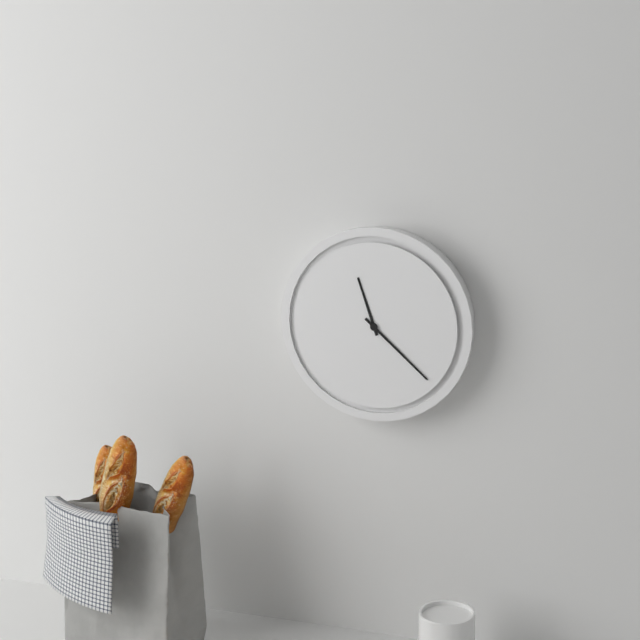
**11:22**
